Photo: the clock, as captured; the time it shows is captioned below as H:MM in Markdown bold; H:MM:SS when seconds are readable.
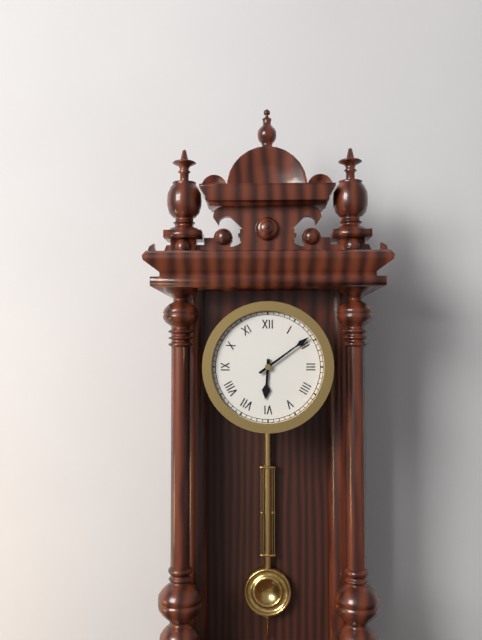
**6:09**
